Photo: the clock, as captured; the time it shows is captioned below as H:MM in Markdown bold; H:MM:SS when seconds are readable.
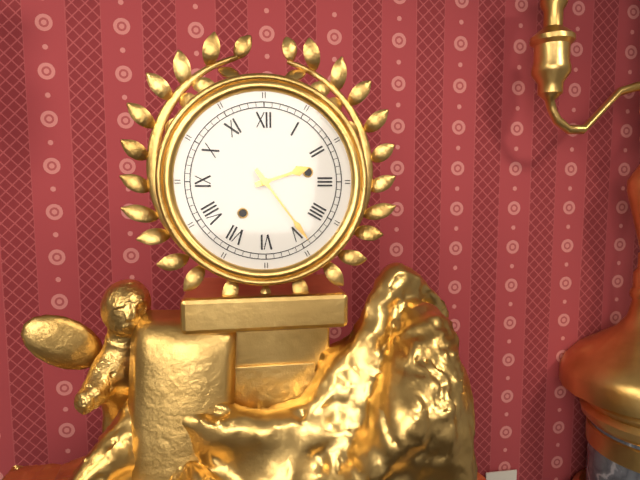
**2:24**
